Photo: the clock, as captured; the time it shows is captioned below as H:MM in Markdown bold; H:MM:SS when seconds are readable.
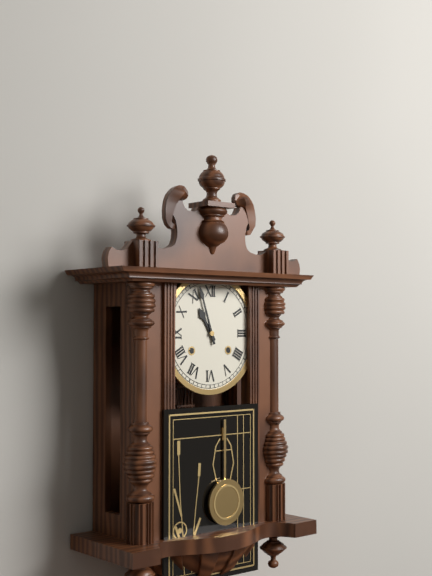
**10:57**
